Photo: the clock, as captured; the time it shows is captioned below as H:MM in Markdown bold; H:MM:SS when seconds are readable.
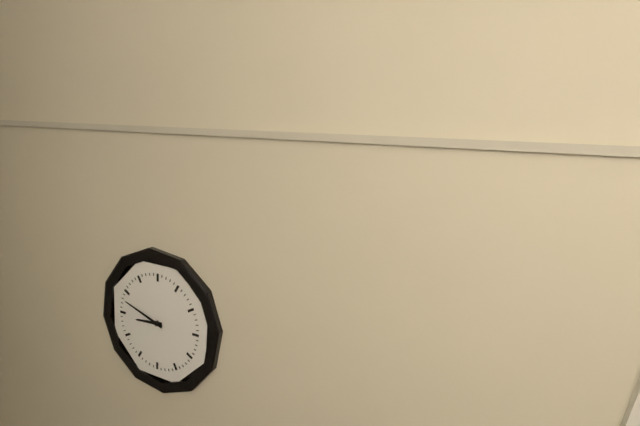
**8:48**
